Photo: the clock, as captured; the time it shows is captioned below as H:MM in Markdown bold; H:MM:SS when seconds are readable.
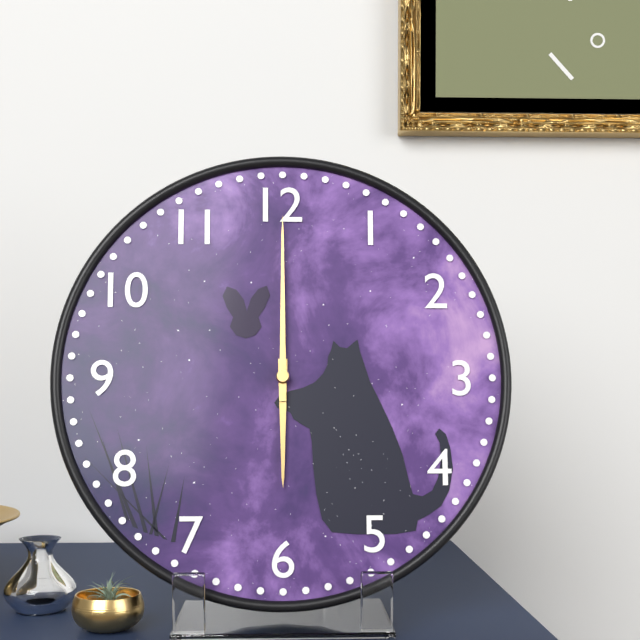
**6:00**
